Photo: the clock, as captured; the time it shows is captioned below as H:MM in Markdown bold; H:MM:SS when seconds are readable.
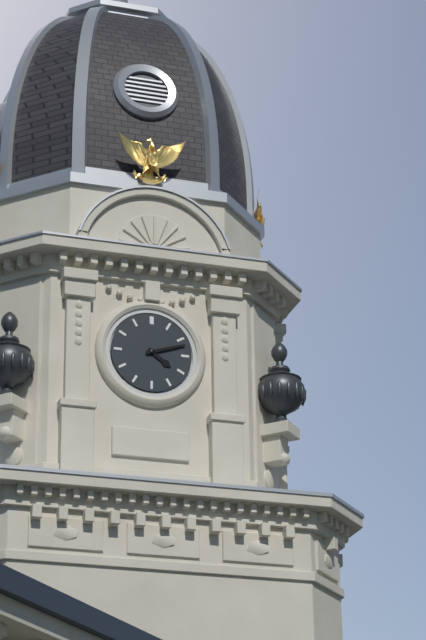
**4:12**
